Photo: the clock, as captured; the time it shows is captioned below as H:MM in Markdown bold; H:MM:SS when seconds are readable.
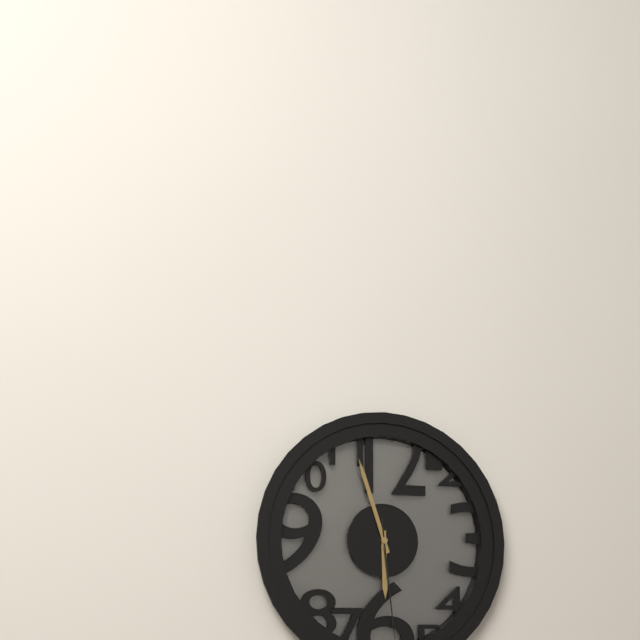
**5:57**
